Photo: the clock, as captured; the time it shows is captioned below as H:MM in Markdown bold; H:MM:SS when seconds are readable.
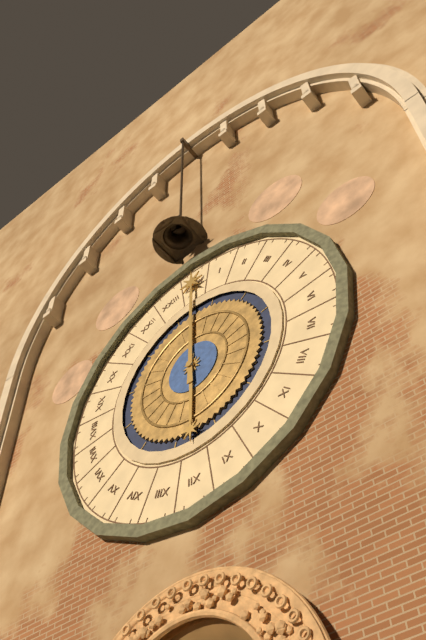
**6:00**
